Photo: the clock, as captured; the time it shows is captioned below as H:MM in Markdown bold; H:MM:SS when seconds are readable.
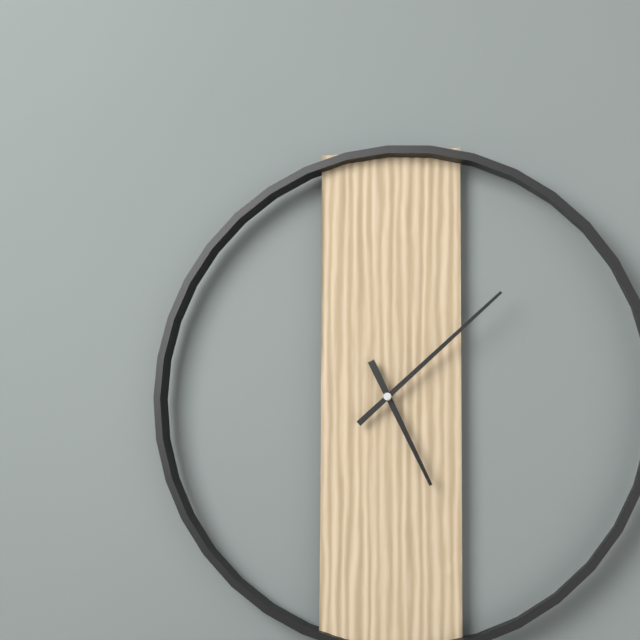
**5:08**
